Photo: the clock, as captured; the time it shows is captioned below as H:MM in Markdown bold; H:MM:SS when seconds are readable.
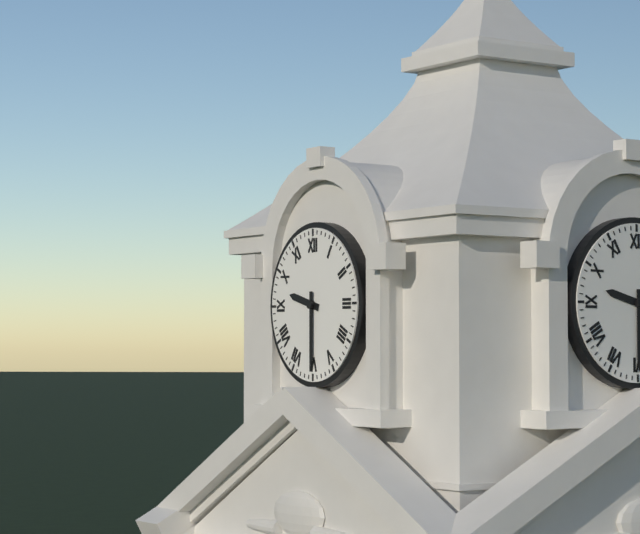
**9:30**
